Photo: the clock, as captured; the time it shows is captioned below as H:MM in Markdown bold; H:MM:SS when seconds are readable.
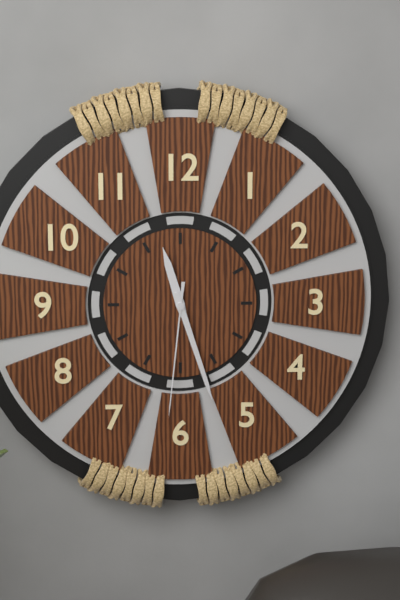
**11:27:31**
